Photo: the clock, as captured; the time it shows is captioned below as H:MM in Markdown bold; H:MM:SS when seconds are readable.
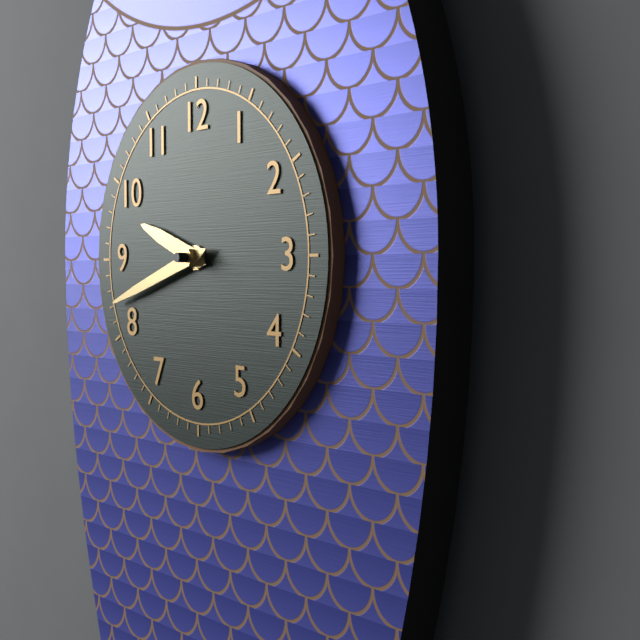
**9:42**
